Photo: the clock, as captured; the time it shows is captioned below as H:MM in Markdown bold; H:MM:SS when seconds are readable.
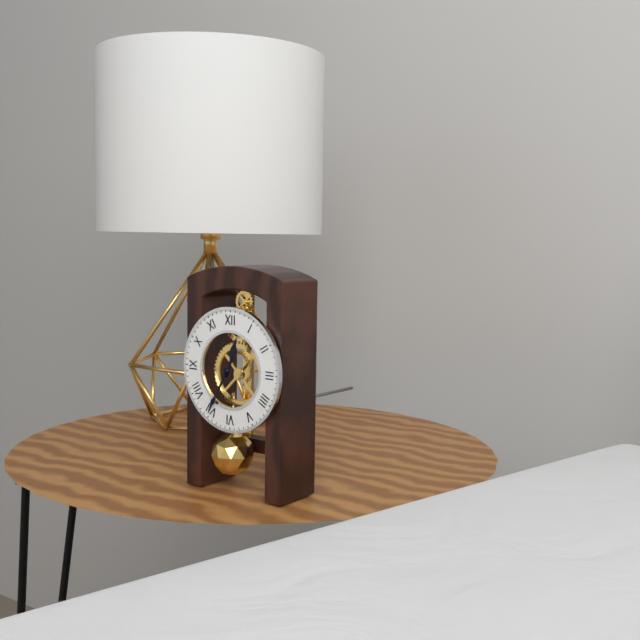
**12:35**
